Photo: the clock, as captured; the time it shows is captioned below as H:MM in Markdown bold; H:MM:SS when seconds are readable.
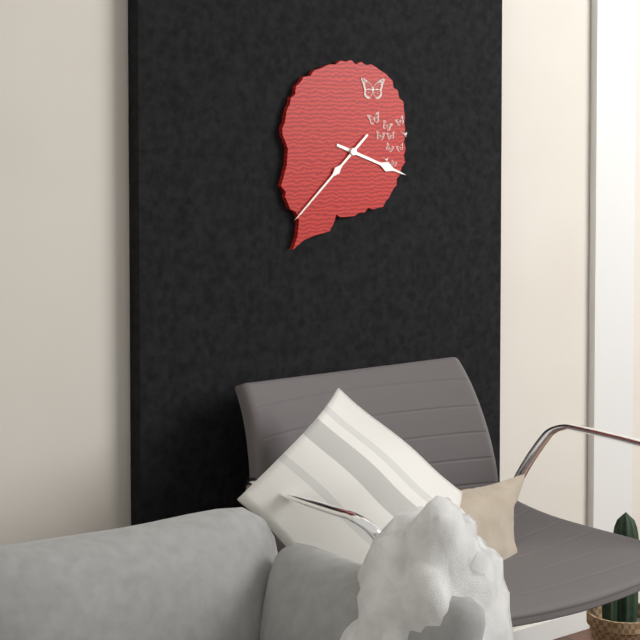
**3:38**
